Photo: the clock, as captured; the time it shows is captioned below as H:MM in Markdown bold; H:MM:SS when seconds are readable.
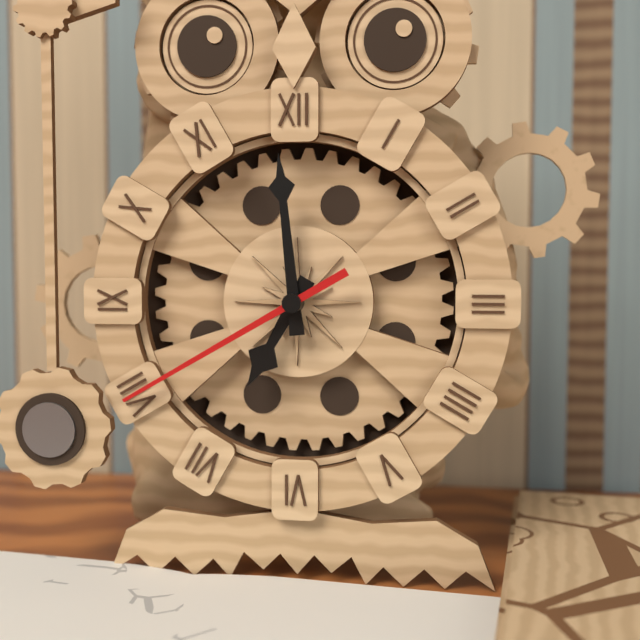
**6:59:40**
